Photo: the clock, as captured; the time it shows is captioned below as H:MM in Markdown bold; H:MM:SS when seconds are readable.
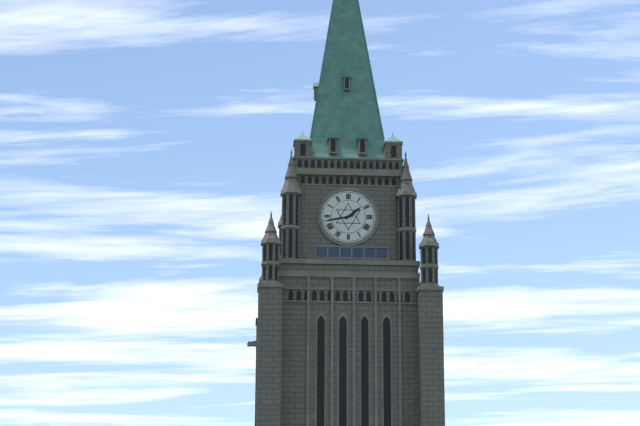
**1:43**
